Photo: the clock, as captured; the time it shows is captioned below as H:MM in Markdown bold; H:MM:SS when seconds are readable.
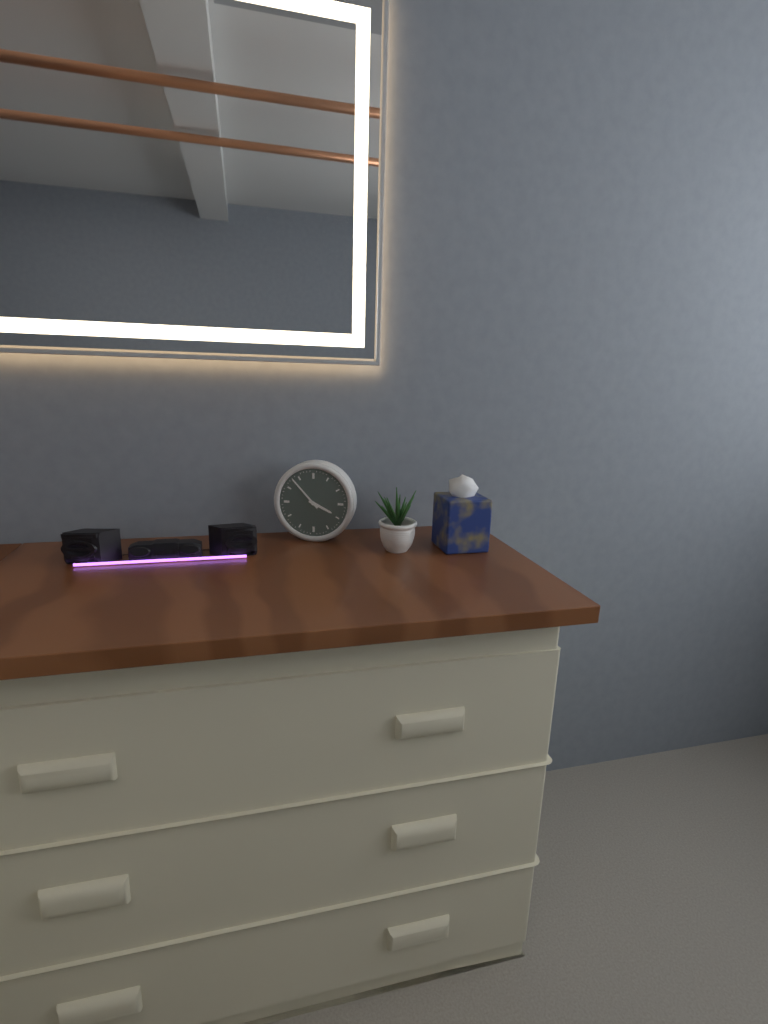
**3:53**
